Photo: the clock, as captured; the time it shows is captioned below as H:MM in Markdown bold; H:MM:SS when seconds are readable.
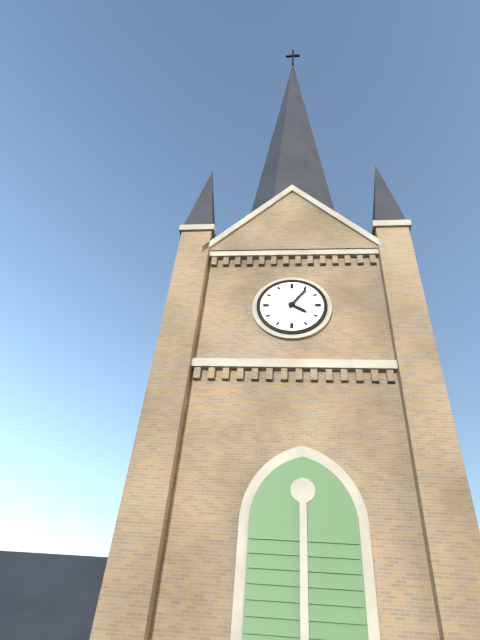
**4:06**
